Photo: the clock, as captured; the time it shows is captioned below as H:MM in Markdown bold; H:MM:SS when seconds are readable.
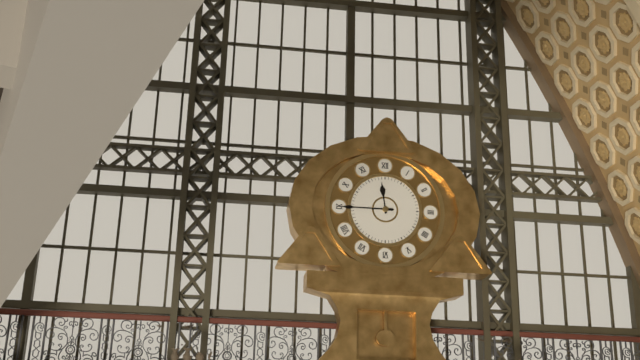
**11:45**
